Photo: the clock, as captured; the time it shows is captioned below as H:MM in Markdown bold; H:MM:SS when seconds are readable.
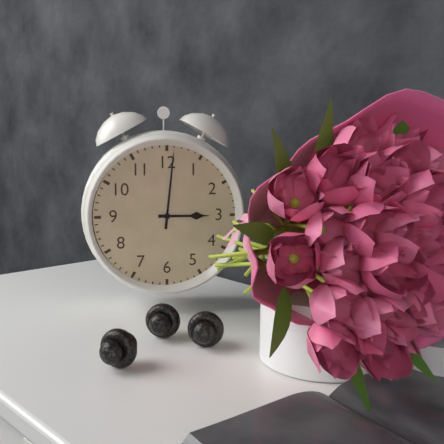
**3:01**
